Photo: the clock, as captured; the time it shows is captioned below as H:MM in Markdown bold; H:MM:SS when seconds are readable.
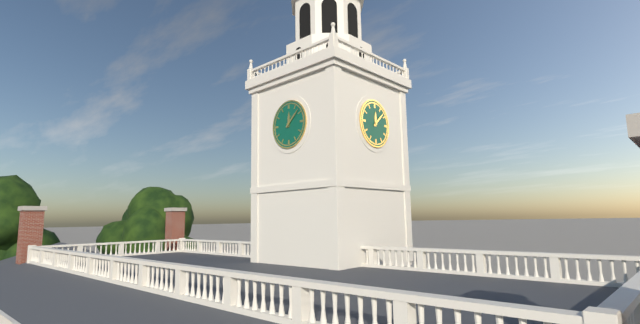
**12:08**
